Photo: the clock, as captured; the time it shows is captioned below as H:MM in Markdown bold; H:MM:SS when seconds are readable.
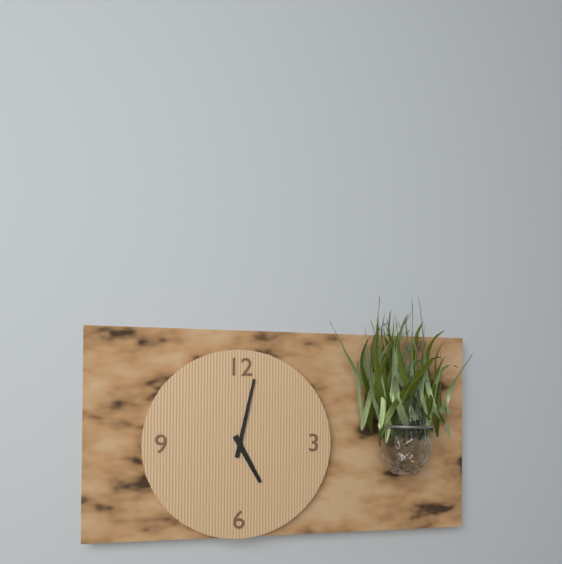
**5:02**
